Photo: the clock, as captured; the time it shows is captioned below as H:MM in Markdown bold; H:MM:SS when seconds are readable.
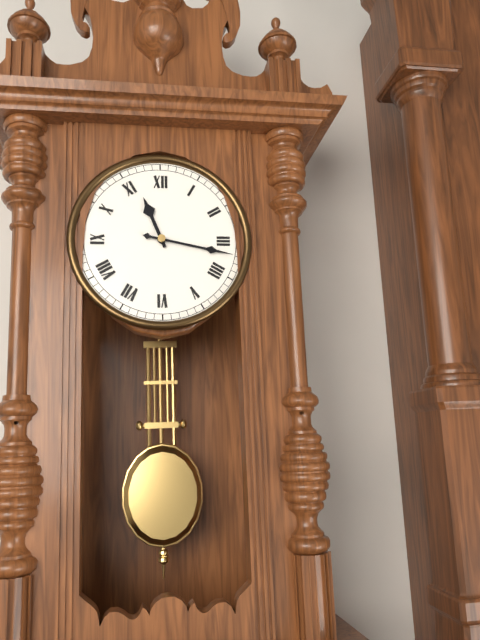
**11:17**
